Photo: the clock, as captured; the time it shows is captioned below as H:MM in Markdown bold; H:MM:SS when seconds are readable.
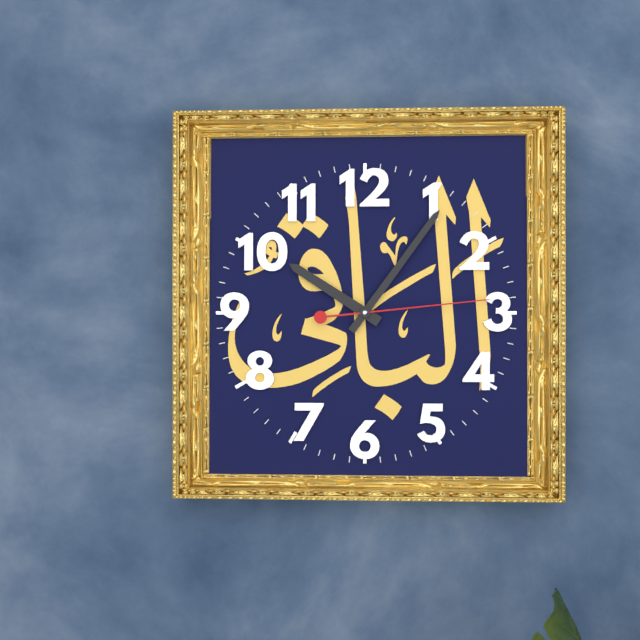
**10:06:14**
